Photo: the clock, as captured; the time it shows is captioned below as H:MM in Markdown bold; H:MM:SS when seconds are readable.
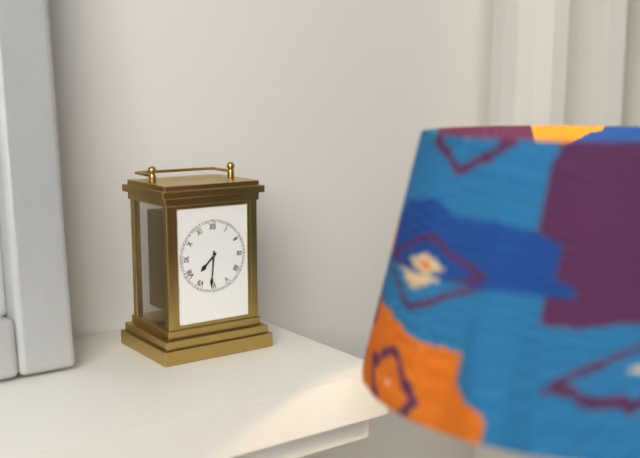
**7:31**
